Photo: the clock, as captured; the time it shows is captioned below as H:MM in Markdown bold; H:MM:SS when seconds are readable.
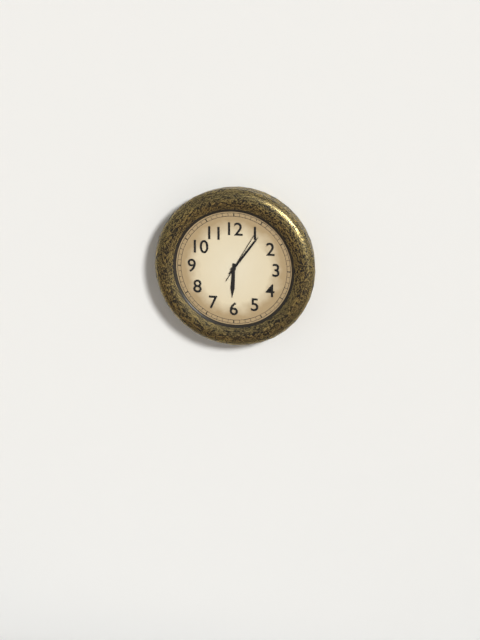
**6:06:05**
